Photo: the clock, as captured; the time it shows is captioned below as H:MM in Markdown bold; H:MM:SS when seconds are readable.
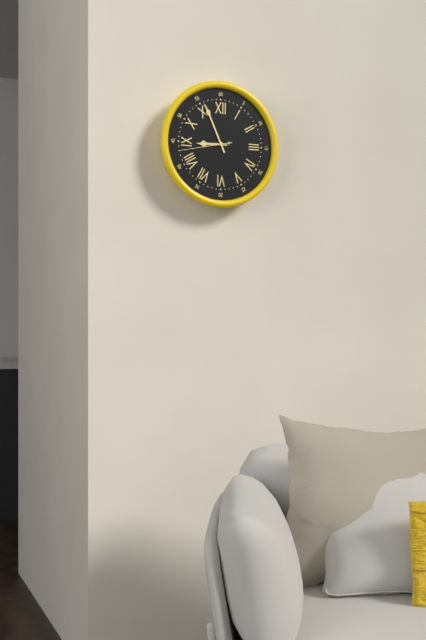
**8:56:43**
